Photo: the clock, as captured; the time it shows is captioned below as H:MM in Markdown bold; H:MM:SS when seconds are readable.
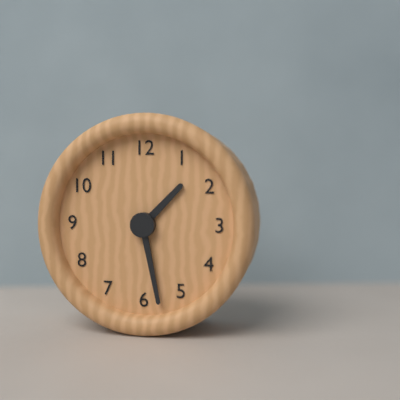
**1:28**
